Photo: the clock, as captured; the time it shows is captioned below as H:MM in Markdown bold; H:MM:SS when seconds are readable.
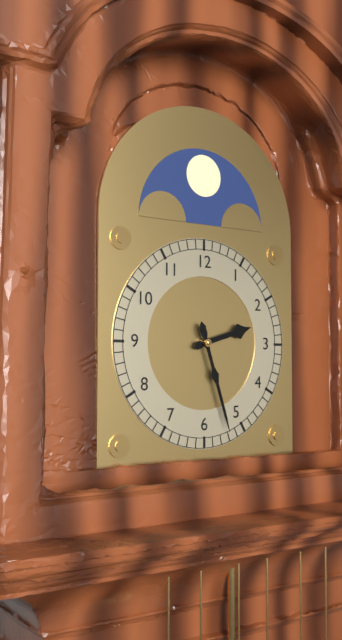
**2:27**
